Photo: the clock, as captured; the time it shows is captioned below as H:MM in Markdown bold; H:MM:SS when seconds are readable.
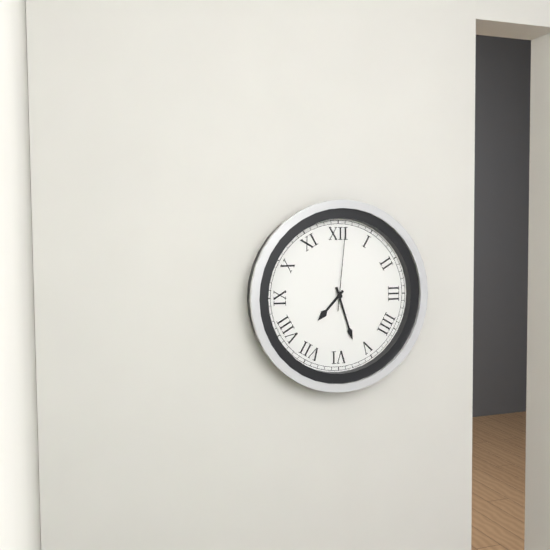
**7:27:01**
